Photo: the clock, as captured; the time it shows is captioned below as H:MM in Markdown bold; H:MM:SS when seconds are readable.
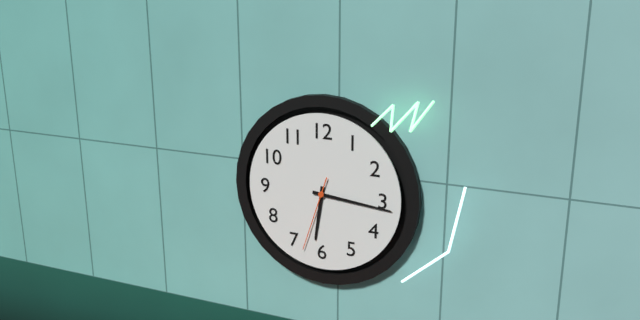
**6:16:33**
